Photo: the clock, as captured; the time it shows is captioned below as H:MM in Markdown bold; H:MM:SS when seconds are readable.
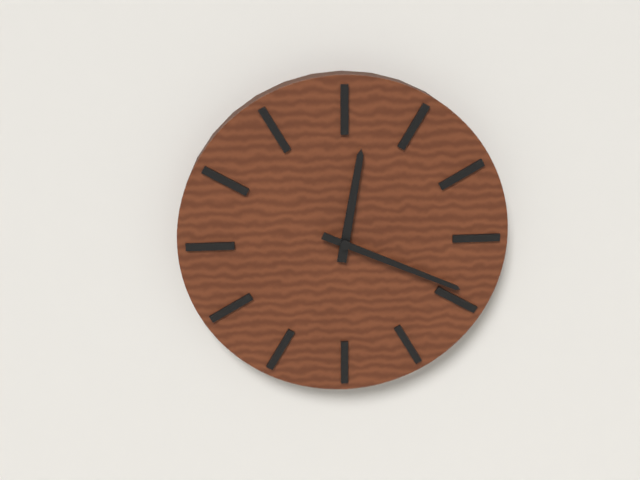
**12:19**
